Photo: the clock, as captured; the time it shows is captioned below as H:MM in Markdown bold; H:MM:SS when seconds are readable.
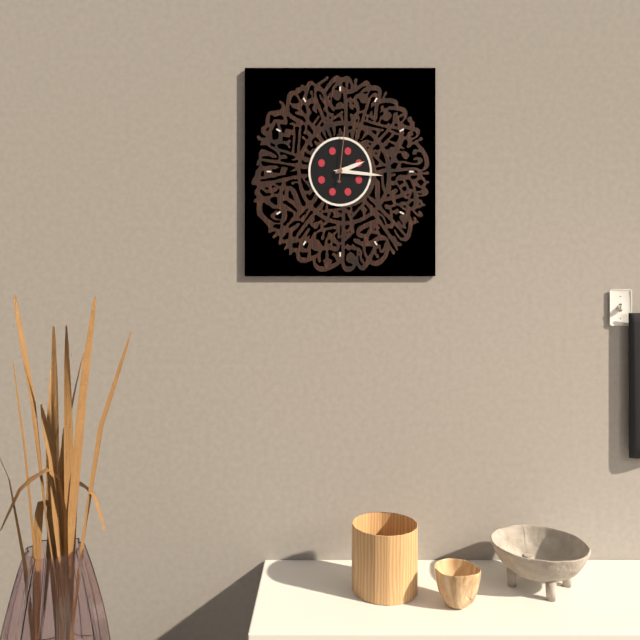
**2:16:01**
